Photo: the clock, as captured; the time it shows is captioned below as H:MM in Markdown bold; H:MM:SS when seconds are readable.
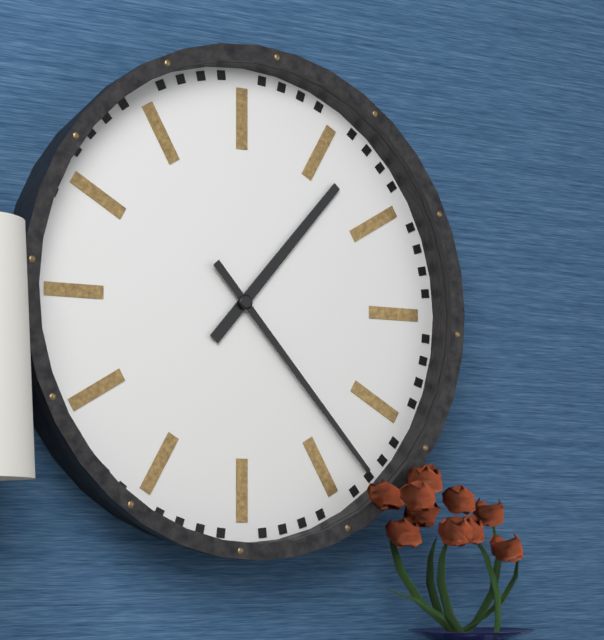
**1:23**
